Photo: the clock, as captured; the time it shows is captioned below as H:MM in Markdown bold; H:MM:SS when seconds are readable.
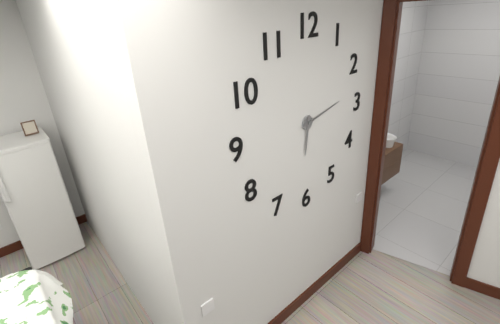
**6:13**
